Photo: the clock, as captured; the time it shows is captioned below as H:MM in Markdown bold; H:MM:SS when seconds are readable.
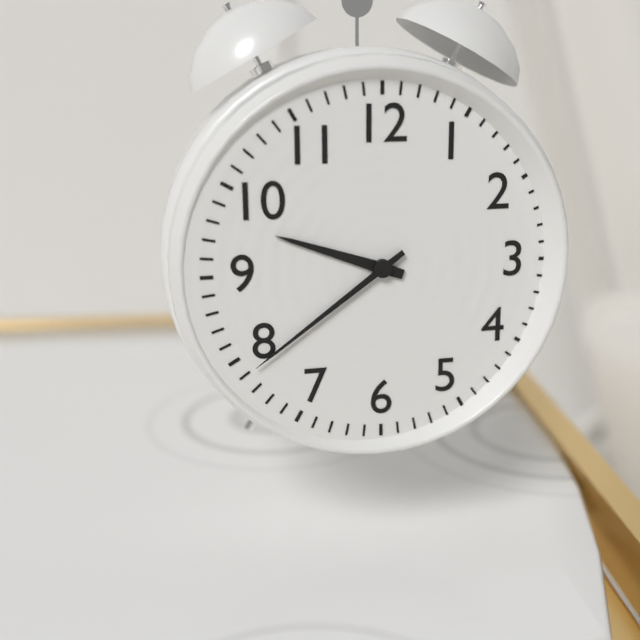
**9:39**
